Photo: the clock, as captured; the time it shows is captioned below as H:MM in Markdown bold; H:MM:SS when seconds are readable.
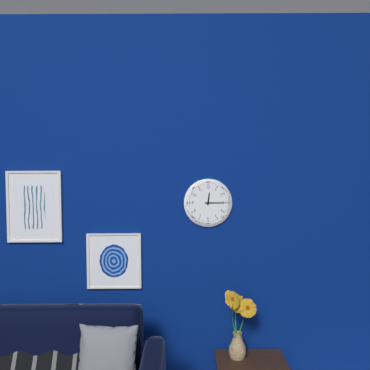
**12:15**
